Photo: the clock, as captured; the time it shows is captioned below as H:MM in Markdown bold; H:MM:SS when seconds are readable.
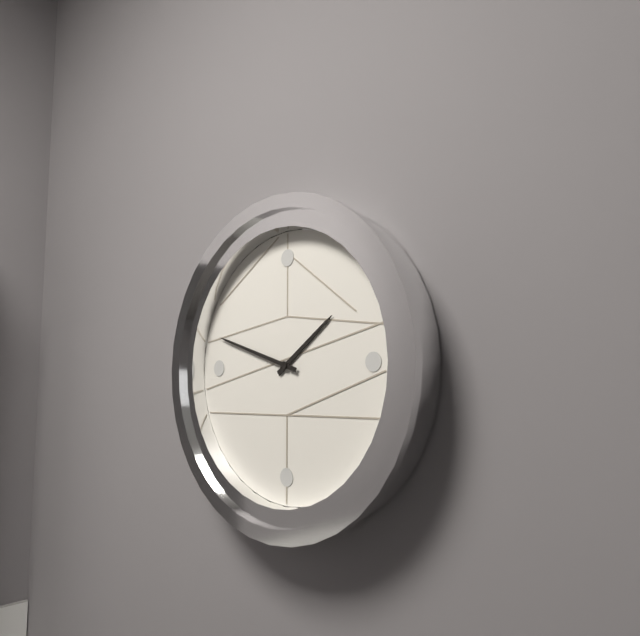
**1:48**
